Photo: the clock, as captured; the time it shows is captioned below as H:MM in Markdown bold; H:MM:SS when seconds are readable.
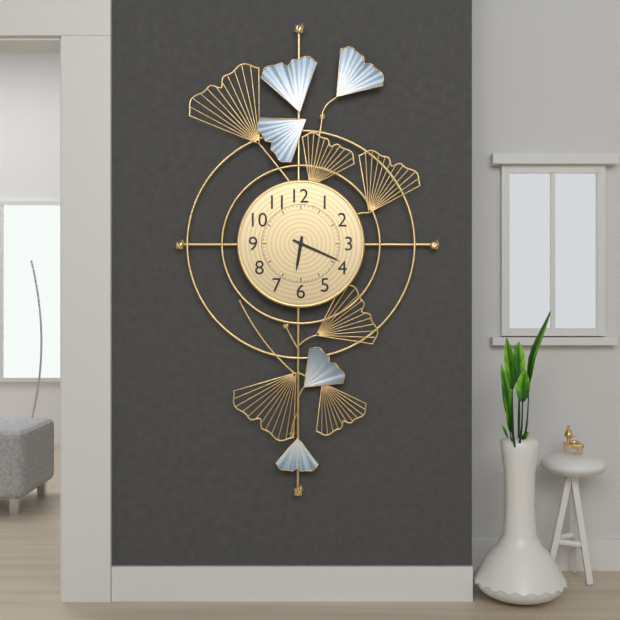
**6:19**
